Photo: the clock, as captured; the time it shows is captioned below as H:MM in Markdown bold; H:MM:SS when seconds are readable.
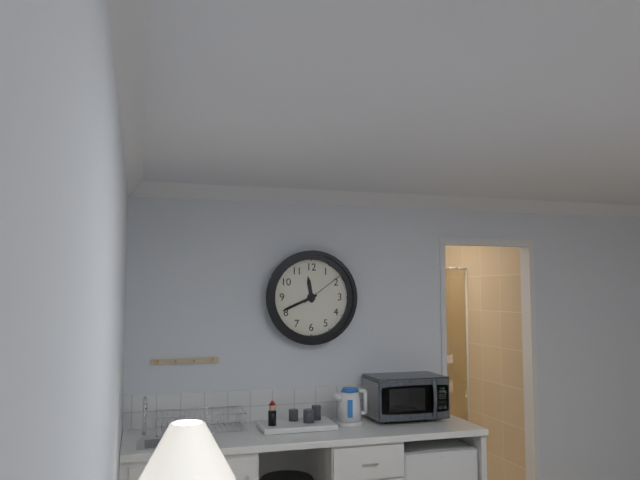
**11:41**
